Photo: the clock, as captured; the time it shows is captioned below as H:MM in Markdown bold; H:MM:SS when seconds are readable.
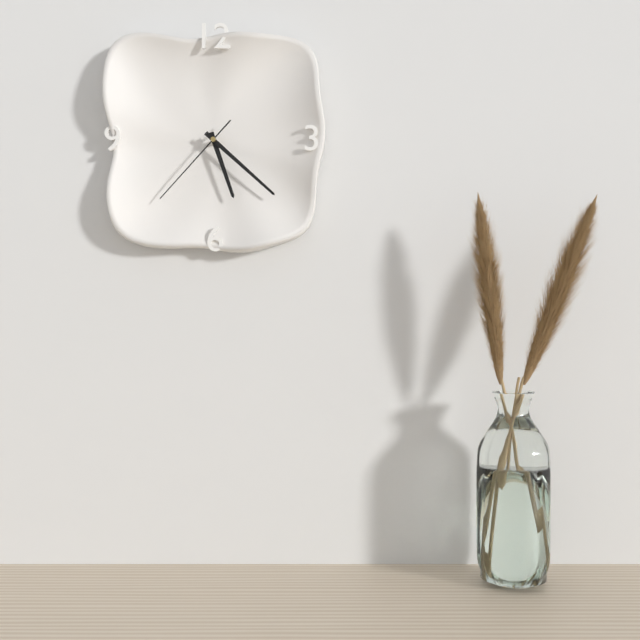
**5:22:37**
